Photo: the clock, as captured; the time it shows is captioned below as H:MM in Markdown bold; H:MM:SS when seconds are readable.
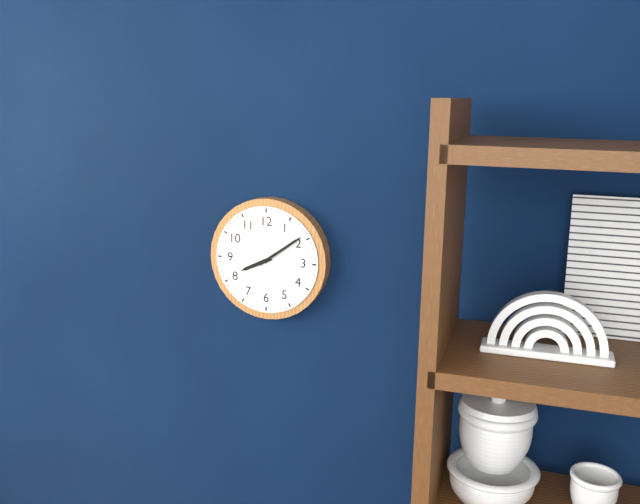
**8:09**
